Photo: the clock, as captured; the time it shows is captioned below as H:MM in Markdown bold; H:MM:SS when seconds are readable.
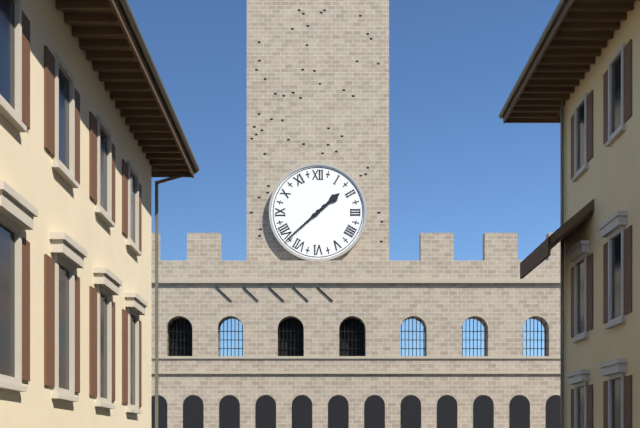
**1:38**
